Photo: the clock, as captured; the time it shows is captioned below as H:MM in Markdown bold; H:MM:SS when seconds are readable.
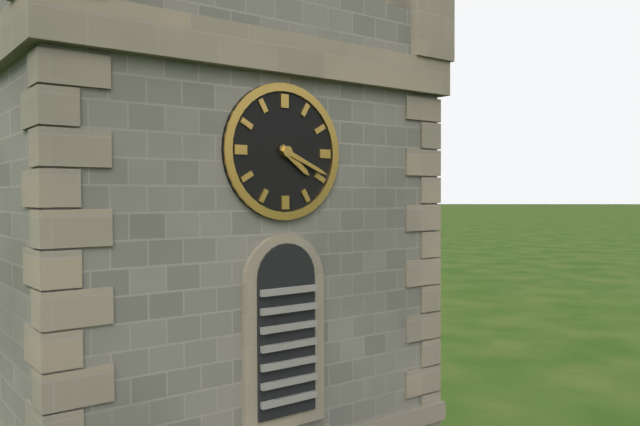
**4:19**
